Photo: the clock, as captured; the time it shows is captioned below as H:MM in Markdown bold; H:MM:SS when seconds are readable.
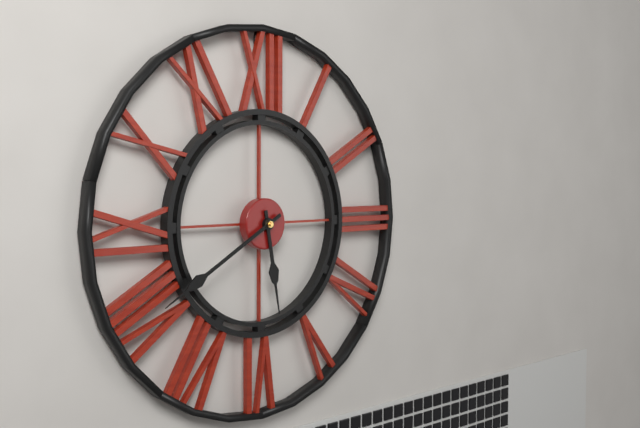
**5:40**
